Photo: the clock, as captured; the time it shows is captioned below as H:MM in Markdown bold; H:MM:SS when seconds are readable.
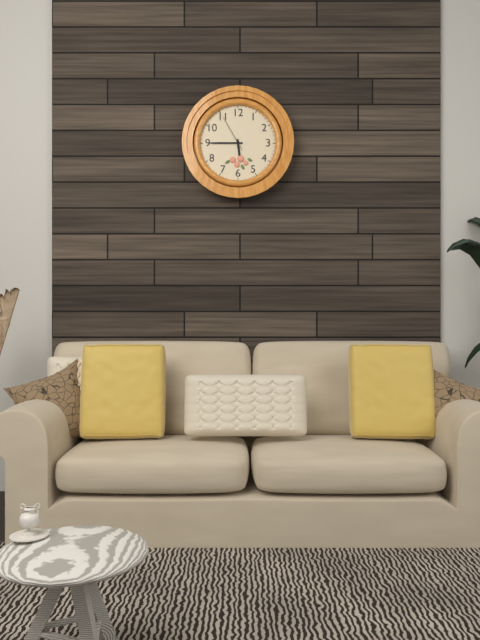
**5:45**
